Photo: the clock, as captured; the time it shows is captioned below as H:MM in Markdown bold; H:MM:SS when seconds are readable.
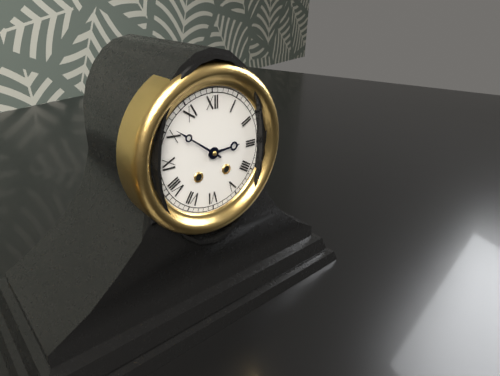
**2:51**
